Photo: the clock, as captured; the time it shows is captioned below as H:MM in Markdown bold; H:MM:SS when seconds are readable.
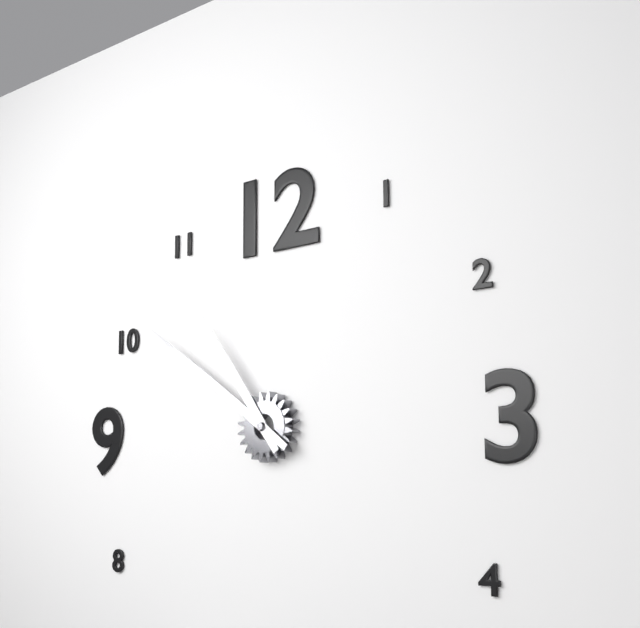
**10:51**
